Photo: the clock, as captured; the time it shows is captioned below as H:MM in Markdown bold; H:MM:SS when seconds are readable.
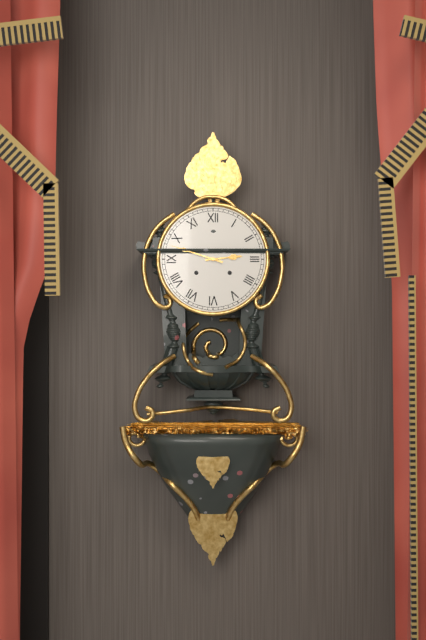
**2:48**
